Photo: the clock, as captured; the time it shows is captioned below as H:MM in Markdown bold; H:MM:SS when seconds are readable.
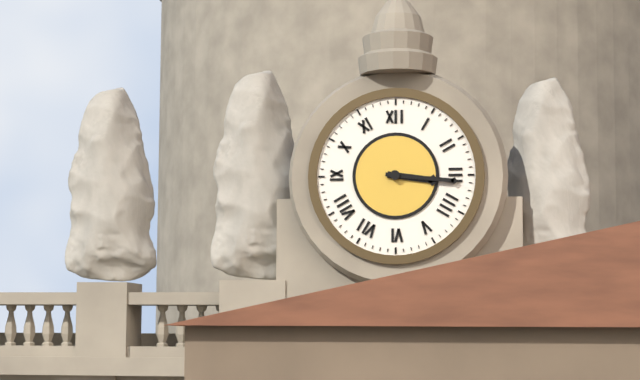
**3:16**
